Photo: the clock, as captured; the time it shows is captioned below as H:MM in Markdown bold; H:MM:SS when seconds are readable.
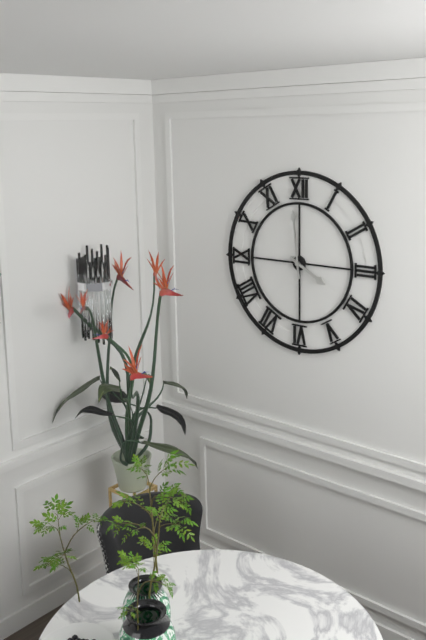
**3:59**
